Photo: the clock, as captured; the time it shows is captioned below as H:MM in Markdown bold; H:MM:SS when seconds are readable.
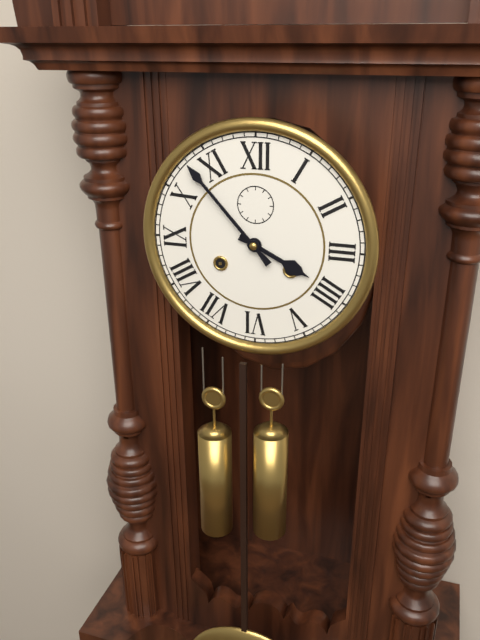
**3:53**
